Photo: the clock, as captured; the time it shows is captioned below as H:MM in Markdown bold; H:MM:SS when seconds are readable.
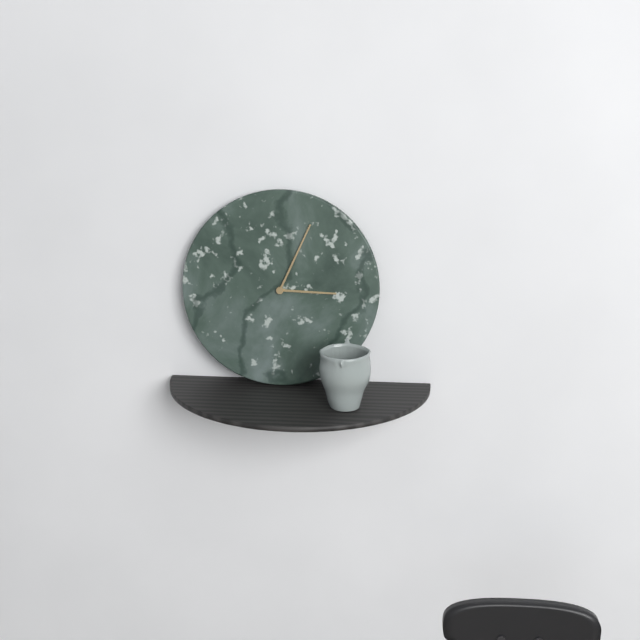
**3:04**
